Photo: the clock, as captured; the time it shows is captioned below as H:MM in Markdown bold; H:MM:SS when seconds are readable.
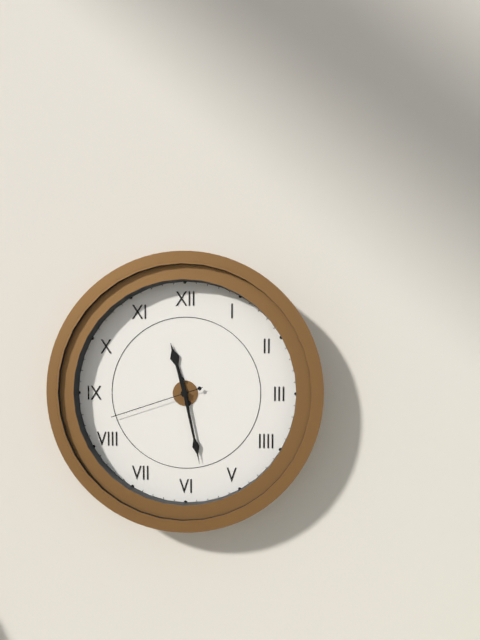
**11:28:42**
